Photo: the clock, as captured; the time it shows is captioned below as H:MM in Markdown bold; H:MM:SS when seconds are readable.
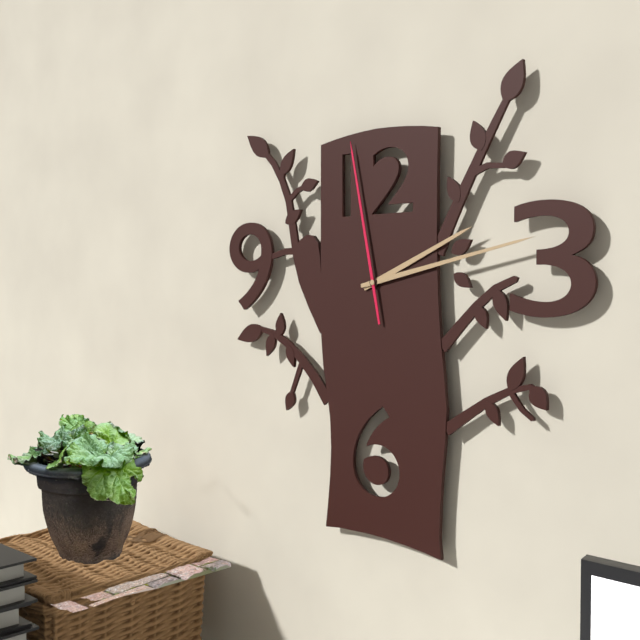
**2:13:58**
